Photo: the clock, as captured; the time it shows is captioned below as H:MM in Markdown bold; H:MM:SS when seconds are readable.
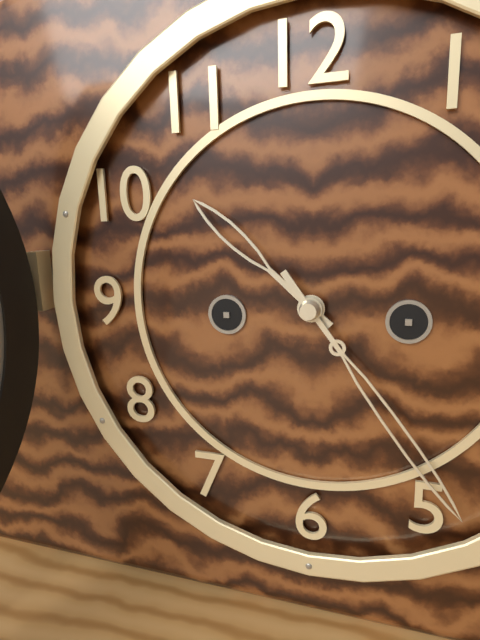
**10:24**
